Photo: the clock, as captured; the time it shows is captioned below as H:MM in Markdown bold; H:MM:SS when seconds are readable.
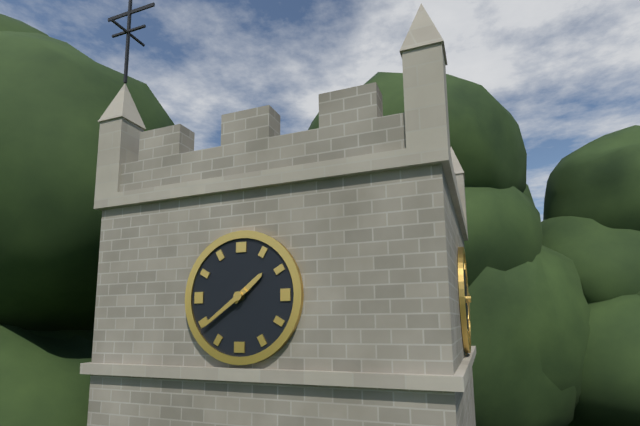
**1:39**
